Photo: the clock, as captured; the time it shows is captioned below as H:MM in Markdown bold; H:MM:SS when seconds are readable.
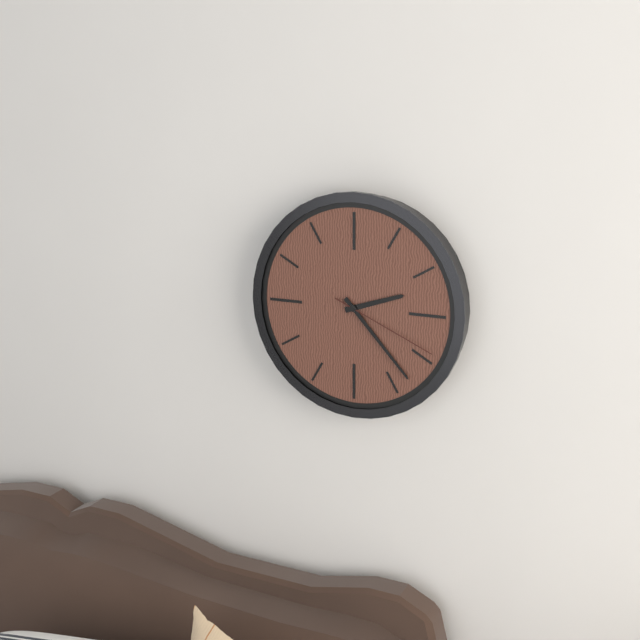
**2:23:19**
